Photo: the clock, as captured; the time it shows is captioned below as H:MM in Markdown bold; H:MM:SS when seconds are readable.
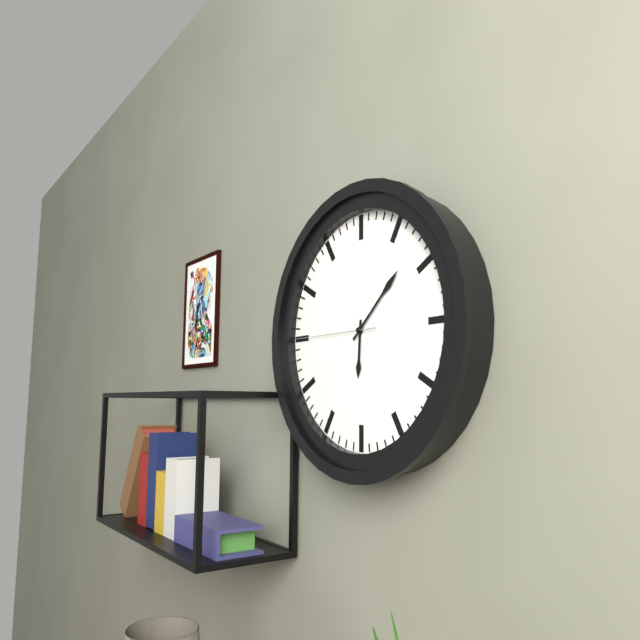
**6:08:45**
